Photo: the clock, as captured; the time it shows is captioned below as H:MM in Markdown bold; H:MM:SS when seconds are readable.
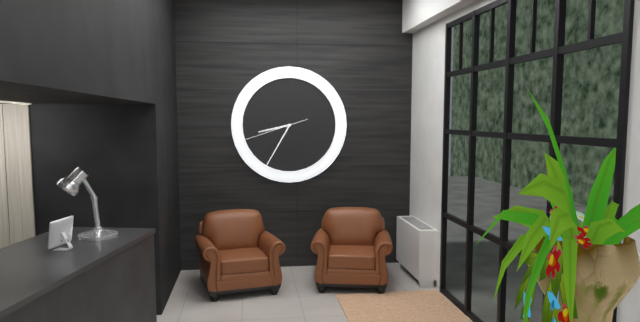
**8:35:42**
